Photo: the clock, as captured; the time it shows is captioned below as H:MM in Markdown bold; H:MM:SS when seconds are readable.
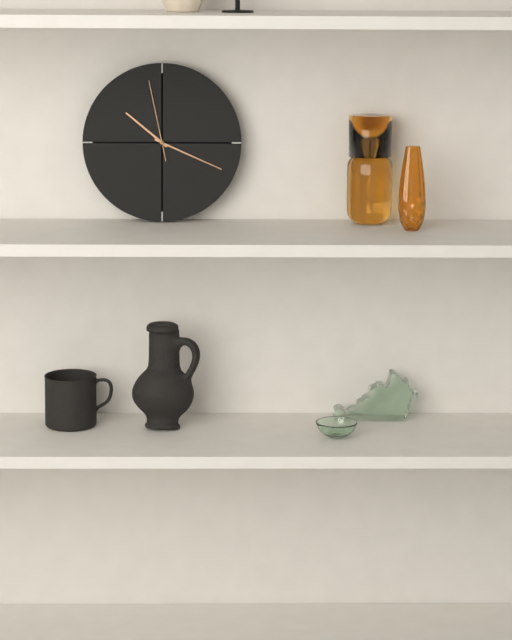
**10:19:58**
